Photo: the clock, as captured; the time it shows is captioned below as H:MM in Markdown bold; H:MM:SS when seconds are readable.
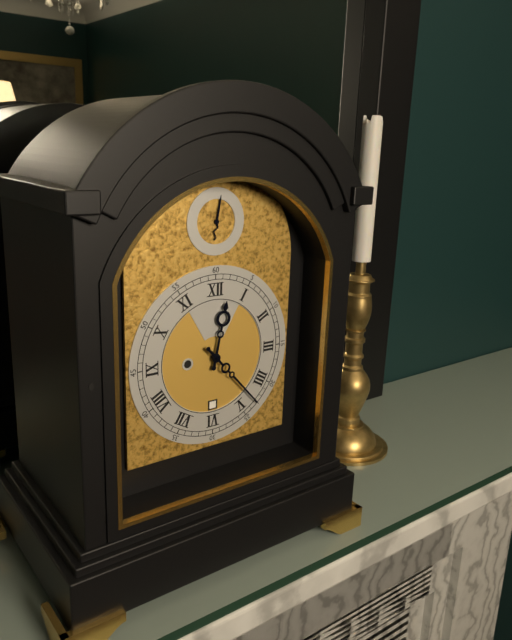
**12:23**
